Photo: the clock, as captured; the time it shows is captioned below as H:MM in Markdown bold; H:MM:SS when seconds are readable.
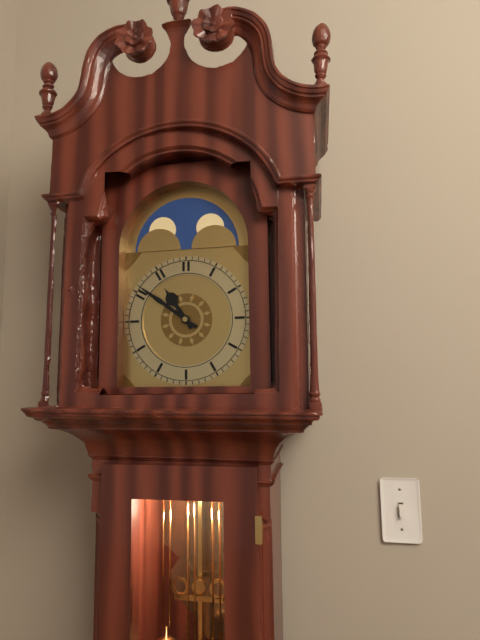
**10:51**
